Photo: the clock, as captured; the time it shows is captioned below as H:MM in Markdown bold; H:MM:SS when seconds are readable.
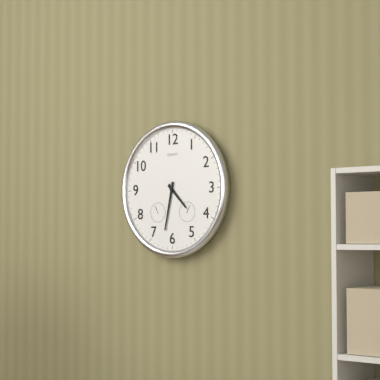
**4:32**
